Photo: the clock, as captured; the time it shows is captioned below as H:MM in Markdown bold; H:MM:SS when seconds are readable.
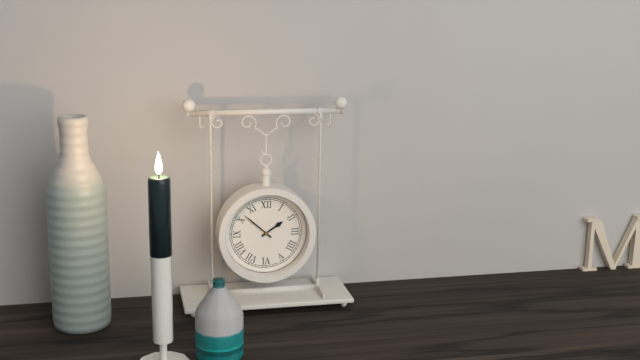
**1:52**
